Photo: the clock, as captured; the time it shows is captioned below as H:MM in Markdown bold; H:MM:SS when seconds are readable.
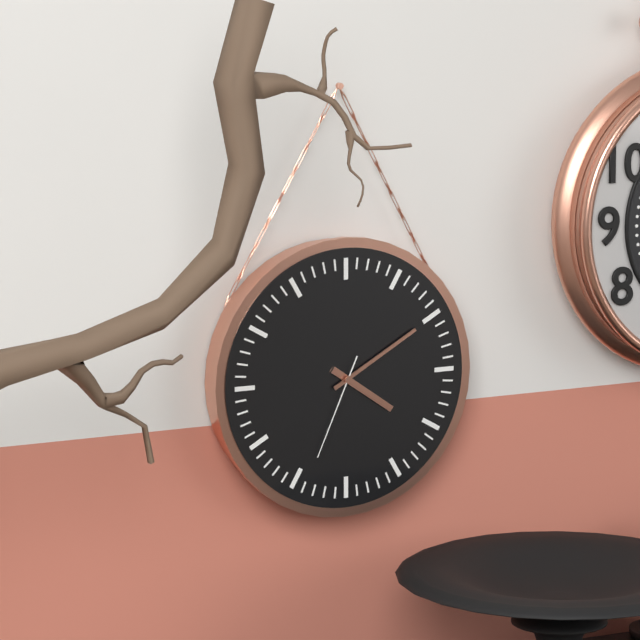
**4:10:34**
